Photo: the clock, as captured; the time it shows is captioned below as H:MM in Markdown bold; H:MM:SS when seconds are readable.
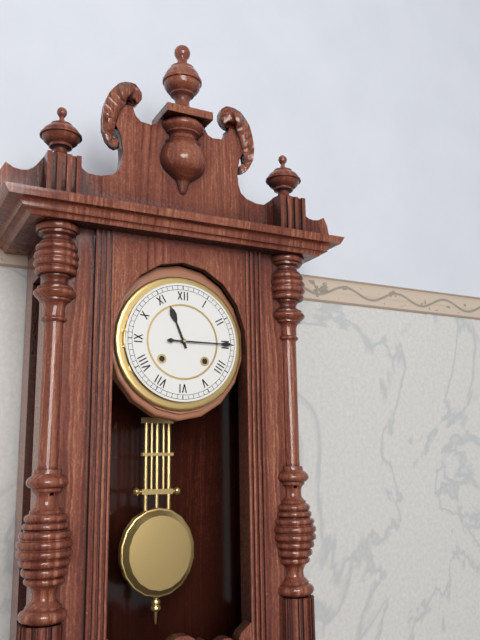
**11:15**
